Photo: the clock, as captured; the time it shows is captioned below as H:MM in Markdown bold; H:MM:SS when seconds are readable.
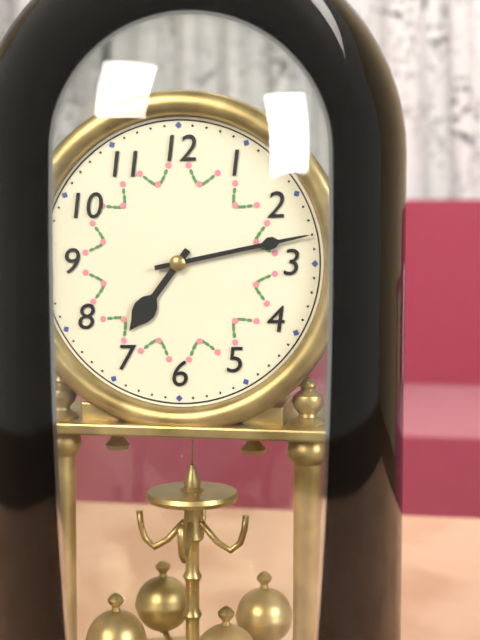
**7:13**
